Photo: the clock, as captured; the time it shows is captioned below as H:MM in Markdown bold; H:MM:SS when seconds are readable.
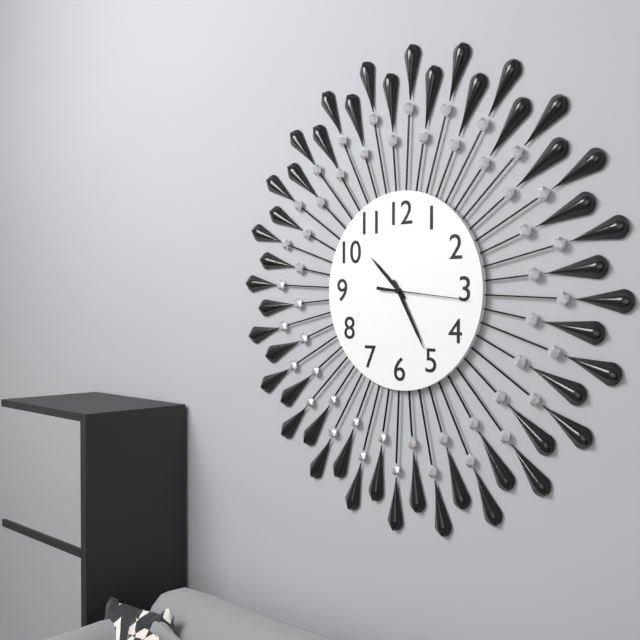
**10:25:16**
